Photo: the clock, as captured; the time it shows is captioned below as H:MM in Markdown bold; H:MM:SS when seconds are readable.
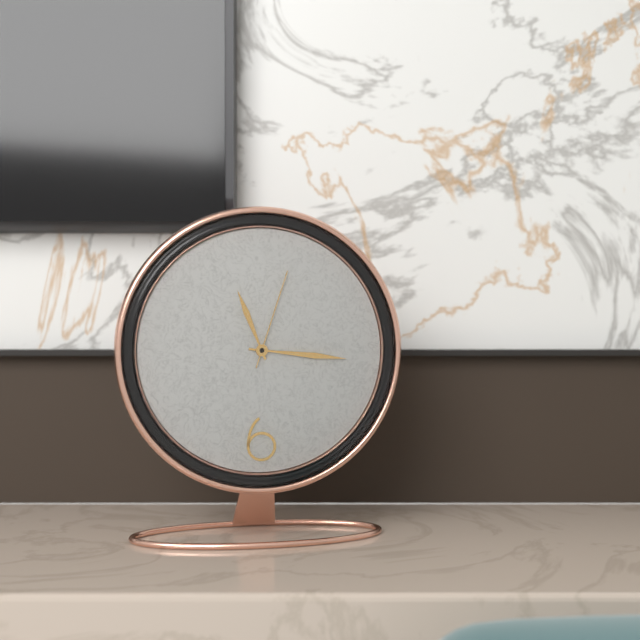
**11:16:03**
